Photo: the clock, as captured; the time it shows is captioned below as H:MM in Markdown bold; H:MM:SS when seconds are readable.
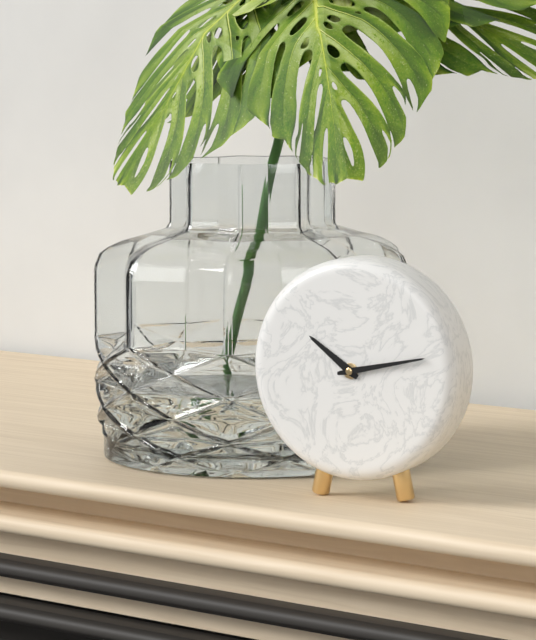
**10:13**
